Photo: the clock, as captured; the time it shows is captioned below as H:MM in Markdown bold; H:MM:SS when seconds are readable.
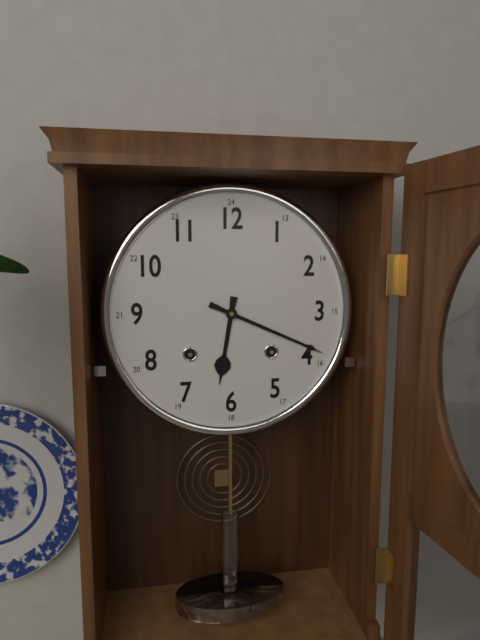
**6:19**
